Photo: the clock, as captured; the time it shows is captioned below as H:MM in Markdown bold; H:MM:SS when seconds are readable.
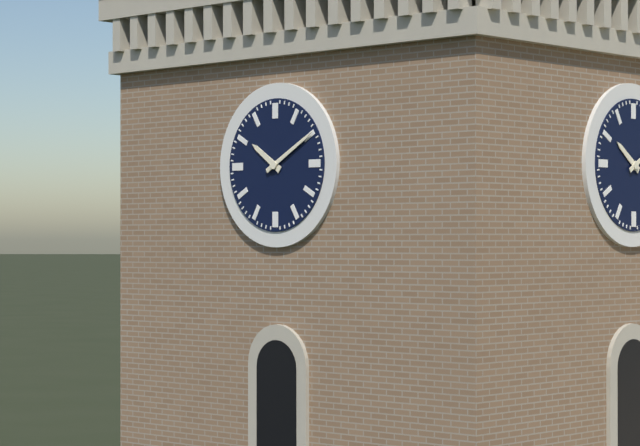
**10:10**
